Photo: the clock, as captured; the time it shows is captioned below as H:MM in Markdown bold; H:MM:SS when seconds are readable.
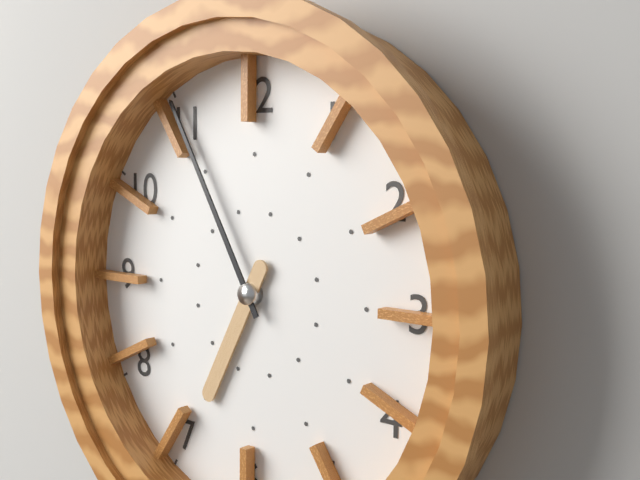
**6:55**
